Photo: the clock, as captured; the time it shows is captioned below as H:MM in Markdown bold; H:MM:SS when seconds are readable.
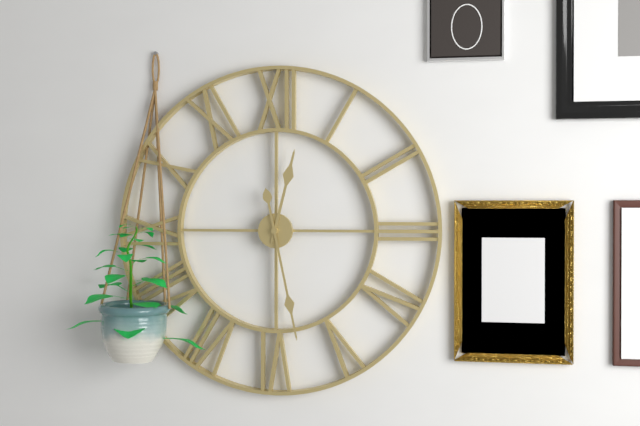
**12:28**
